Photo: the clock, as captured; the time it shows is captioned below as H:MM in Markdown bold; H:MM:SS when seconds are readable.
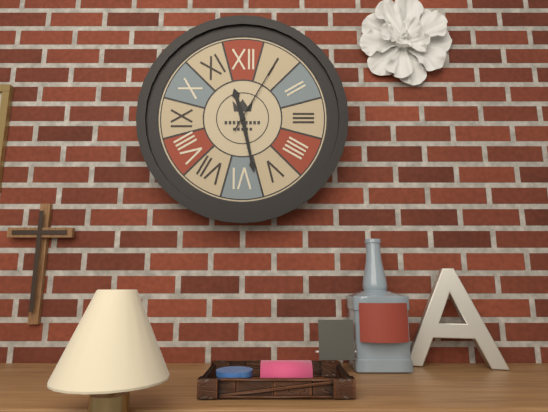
**11:28:05**
